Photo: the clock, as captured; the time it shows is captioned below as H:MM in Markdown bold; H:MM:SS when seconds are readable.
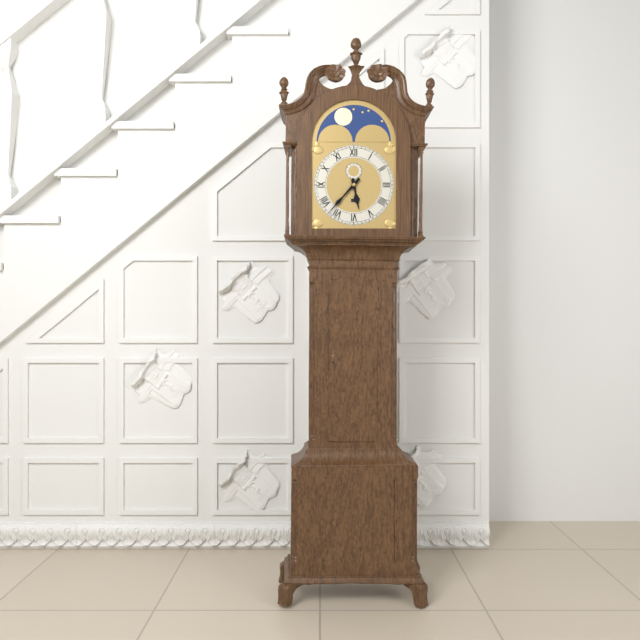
**5:37**
